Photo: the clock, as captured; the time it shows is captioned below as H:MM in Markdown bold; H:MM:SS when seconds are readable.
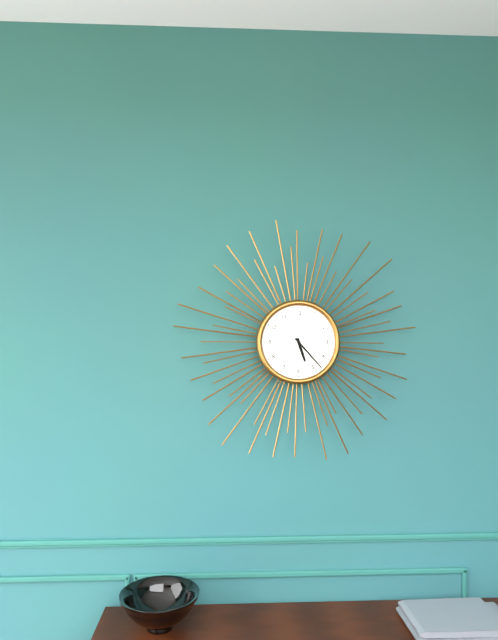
**5:23**
